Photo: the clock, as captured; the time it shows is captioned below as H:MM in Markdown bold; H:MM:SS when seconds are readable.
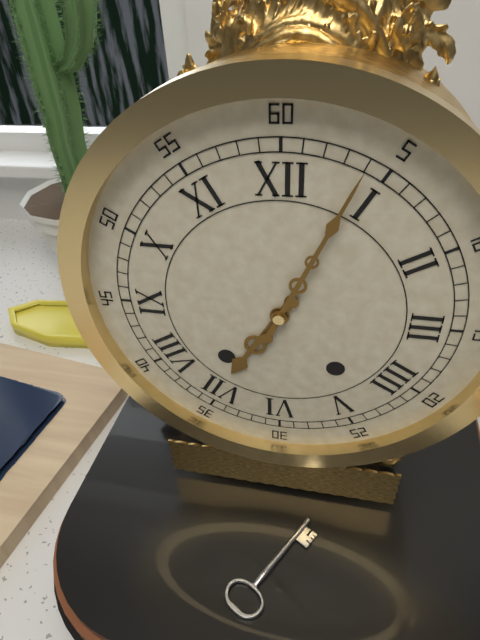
**7:04**
